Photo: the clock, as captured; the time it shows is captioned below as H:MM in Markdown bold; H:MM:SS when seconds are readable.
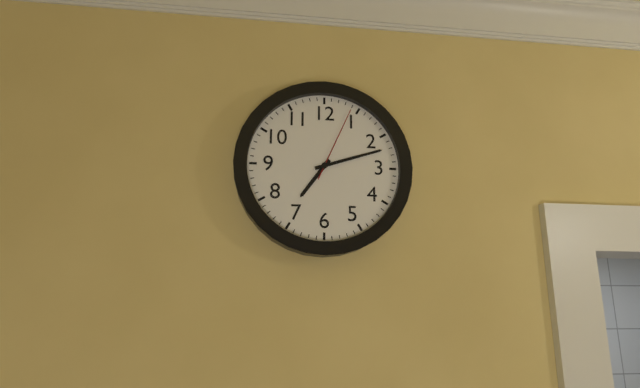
**7:12:04**
